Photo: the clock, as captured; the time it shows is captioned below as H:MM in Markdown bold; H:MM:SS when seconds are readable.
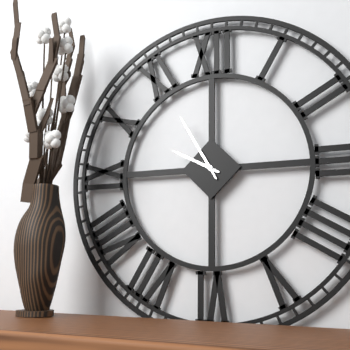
**9:55**
